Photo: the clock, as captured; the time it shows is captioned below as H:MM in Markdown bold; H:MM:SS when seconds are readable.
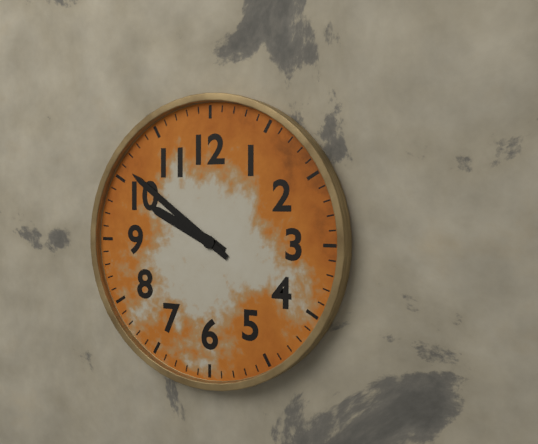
**9:51**
